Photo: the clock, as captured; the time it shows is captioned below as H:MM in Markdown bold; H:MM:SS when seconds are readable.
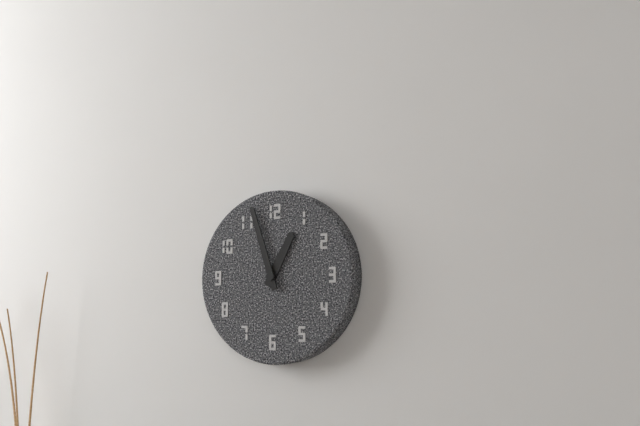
**12:57**
